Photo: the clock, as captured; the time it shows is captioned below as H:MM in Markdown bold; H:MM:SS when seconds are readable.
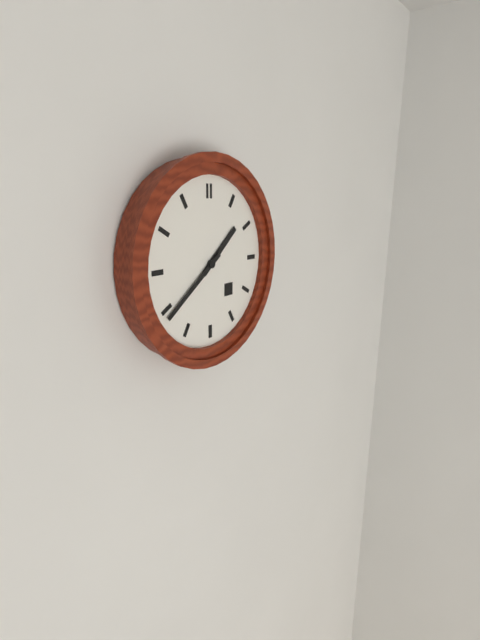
**1:39**
